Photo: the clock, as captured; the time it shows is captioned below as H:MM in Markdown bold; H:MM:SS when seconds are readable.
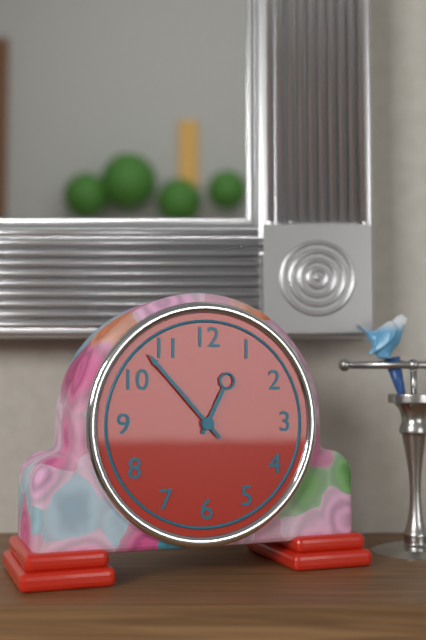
**12:53**
